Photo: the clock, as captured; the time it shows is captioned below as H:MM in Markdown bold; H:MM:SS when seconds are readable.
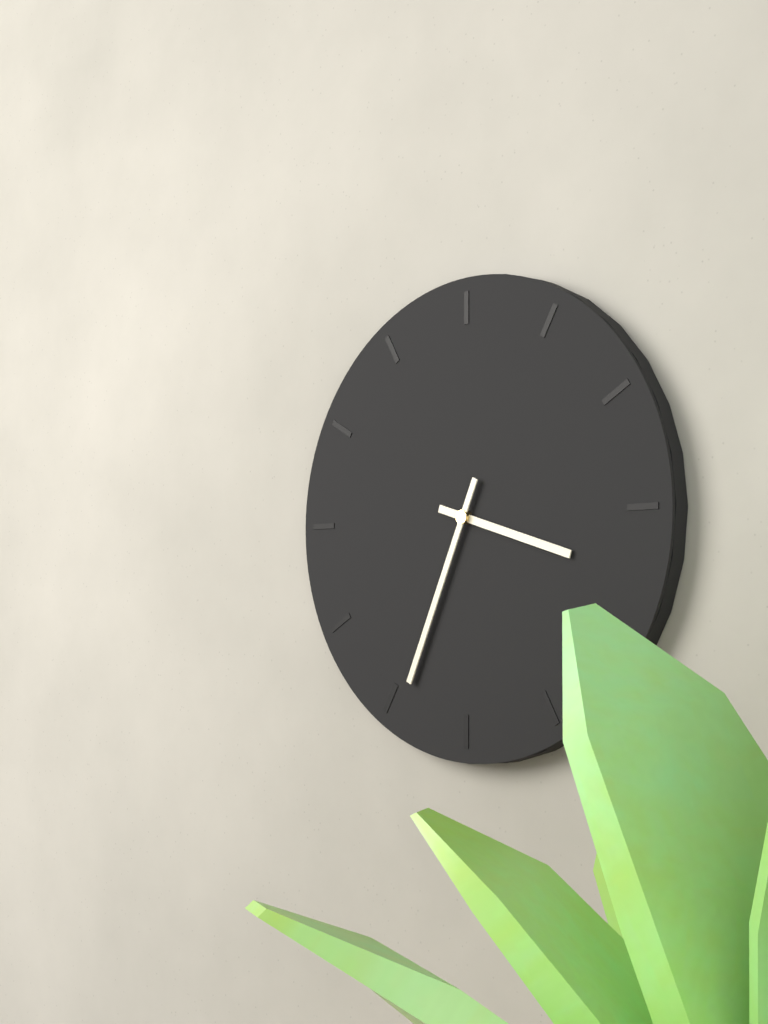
**3:34**
